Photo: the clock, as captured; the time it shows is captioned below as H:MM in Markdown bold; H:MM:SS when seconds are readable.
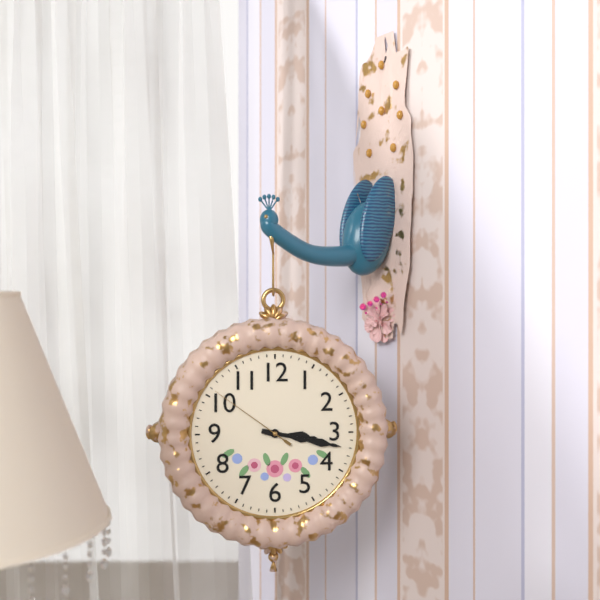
**3:17:51**
